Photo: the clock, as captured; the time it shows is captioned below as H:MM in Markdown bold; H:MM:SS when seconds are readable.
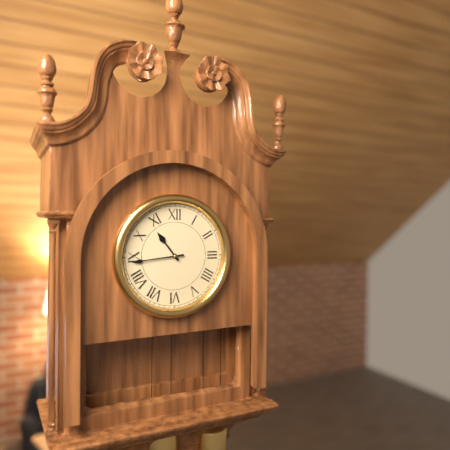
**10:44**
